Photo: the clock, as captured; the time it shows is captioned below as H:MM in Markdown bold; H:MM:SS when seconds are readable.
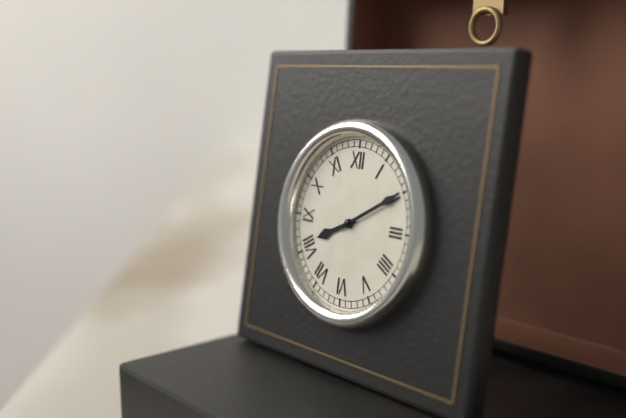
**8:10**
